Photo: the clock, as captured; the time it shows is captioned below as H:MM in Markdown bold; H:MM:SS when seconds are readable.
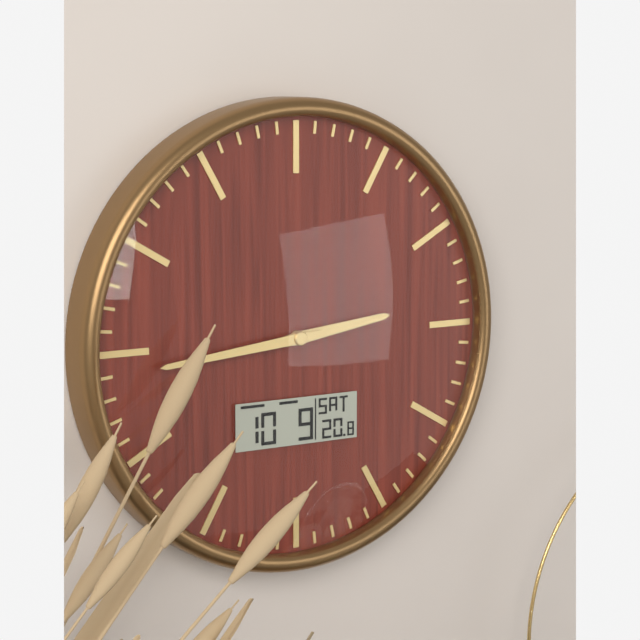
**2:44**
